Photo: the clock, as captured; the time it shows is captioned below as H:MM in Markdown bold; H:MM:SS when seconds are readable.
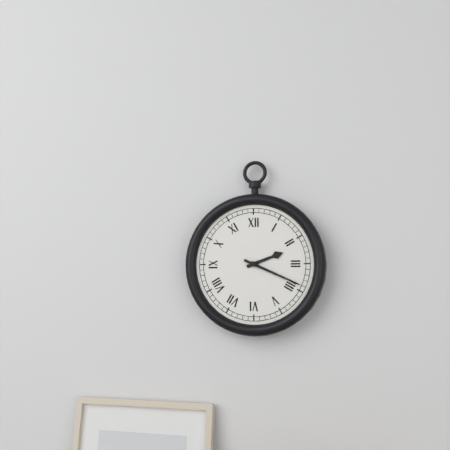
**2:19**
